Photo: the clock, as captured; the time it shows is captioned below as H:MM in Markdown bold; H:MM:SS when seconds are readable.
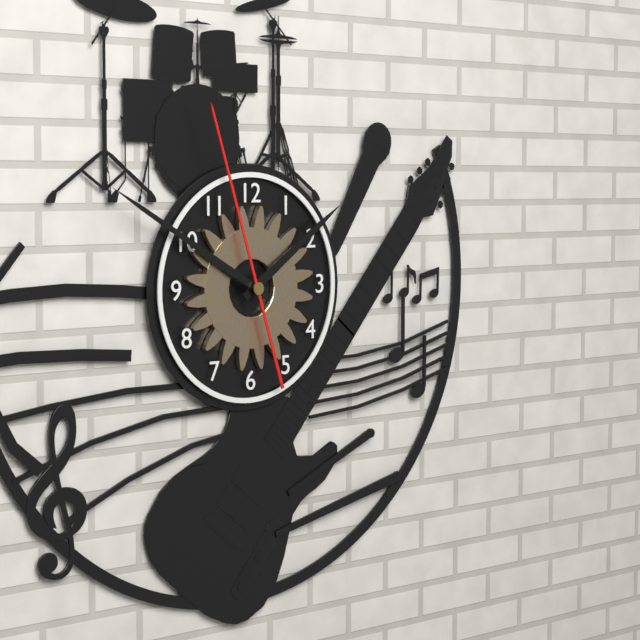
**1:50:57**
